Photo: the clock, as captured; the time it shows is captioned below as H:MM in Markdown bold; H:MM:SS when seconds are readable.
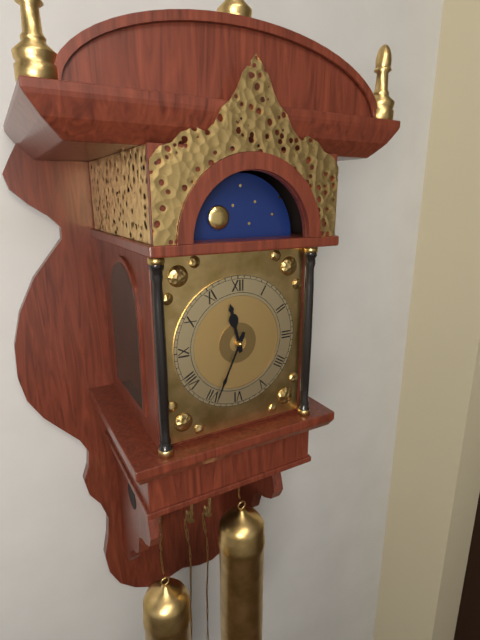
**11:34**
